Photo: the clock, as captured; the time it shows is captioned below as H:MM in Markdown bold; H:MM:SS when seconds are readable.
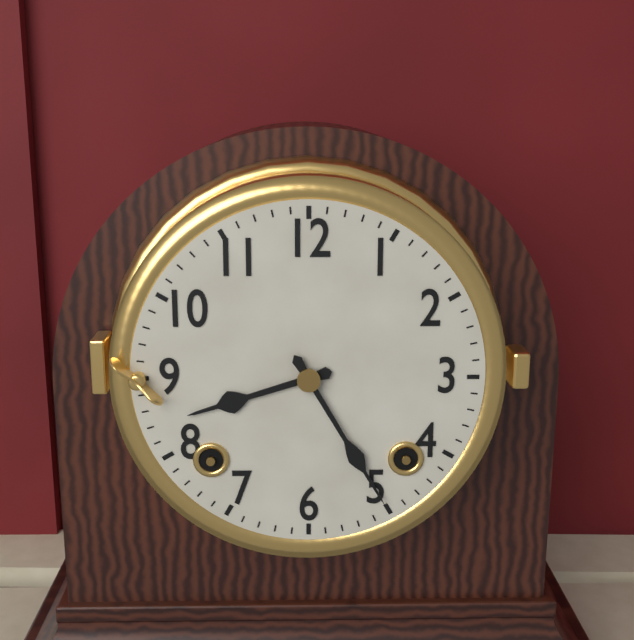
**8:25**
